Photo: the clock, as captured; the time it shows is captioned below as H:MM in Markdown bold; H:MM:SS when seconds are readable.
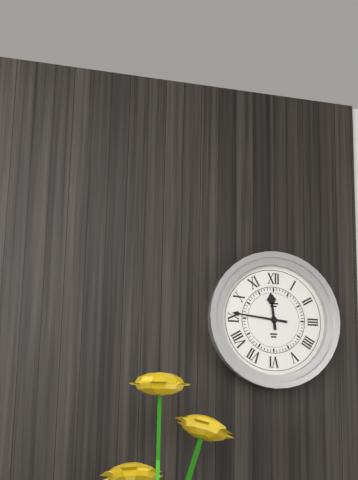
**11:46**
